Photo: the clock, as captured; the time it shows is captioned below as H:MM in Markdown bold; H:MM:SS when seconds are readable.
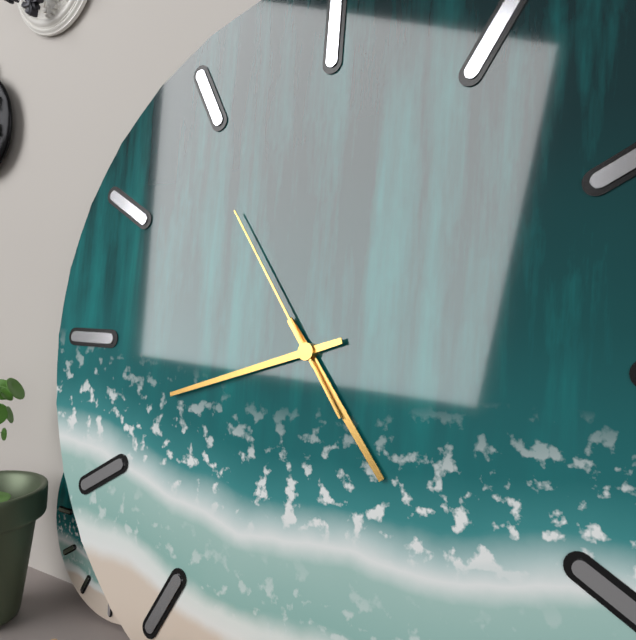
**4:42:54**
